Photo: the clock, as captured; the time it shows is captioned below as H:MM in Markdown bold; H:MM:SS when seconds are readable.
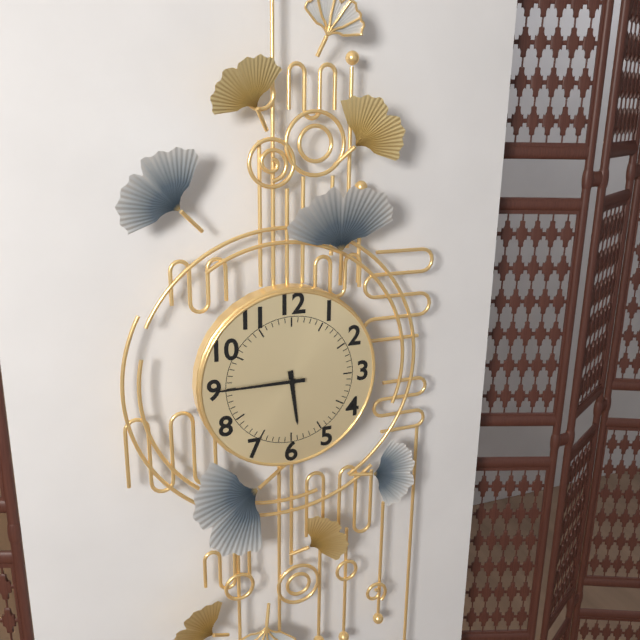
**5:45**
